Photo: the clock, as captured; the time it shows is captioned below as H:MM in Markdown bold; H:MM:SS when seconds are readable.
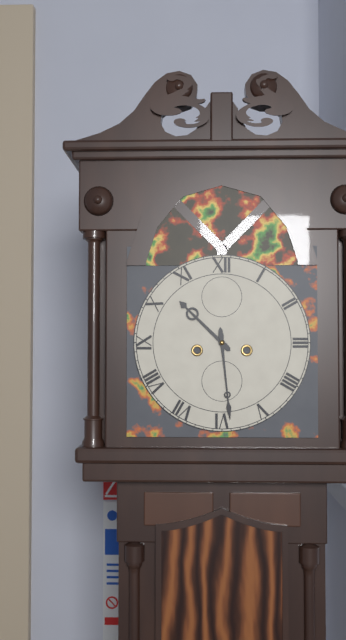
**10:29**
